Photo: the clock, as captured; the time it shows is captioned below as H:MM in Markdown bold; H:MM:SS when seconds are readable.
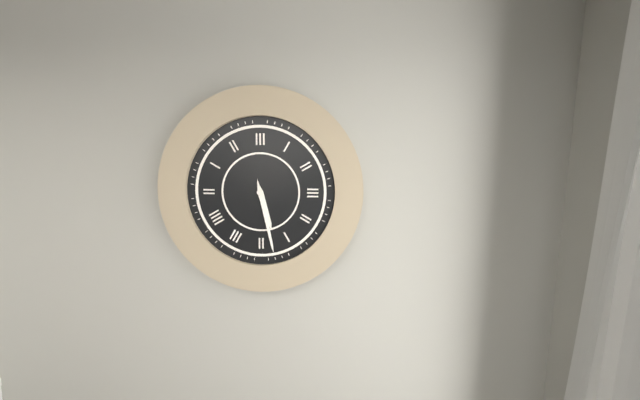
**5:28**
